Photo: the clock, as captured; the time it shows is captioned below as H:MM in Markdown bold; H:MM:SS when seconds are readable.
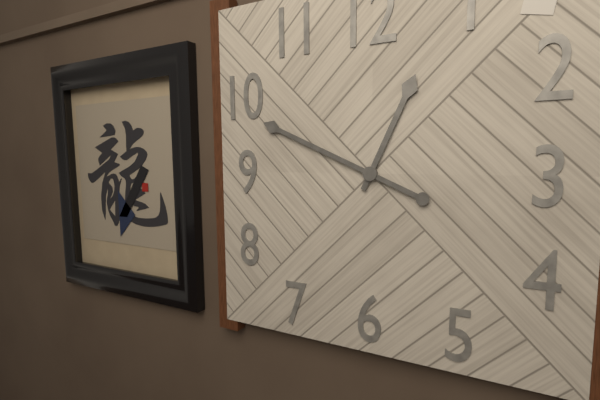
**12:49**
